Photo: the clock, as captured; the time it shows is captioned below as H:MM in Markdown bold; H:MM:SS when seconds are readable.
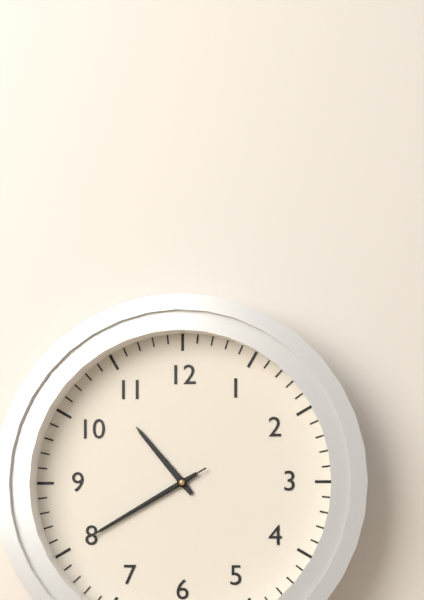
**10:40:40**
